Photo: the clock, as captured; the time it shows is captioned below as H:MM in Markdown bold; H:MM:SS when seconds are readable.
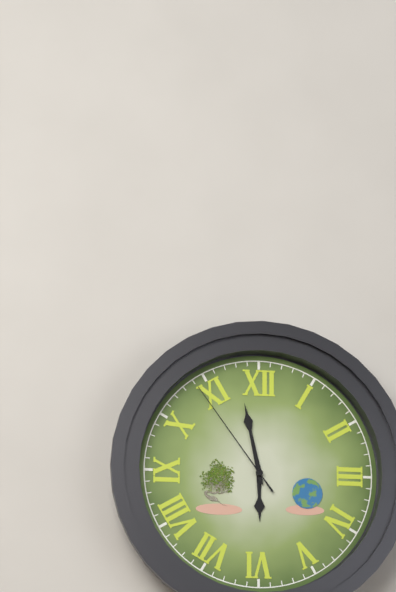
**5:58:54**
